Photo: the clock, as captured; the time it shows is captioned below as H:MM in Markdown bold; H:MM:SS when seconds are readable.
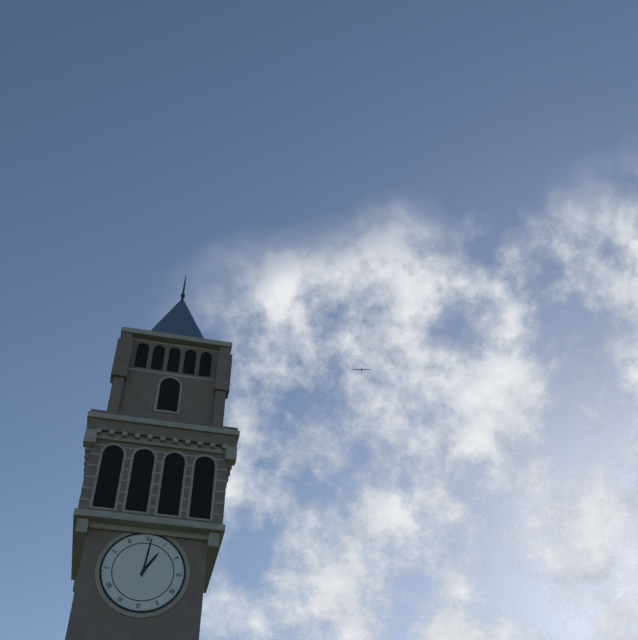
**1:01**
